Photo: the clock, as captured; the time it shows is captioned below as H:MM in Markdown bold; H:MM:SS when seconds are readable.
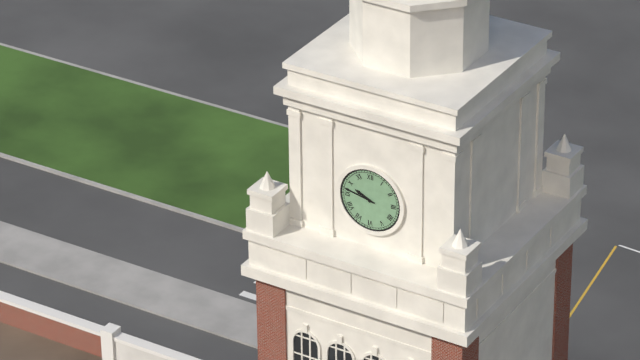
**9:47**
